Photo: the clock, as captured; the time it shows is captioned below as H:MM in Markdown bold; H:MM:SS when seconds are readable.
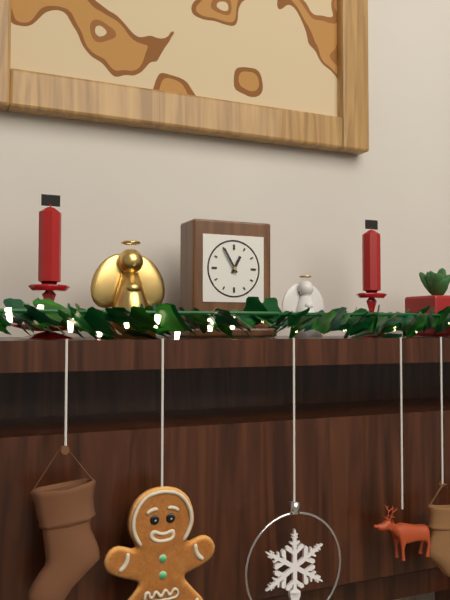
**12:55**
